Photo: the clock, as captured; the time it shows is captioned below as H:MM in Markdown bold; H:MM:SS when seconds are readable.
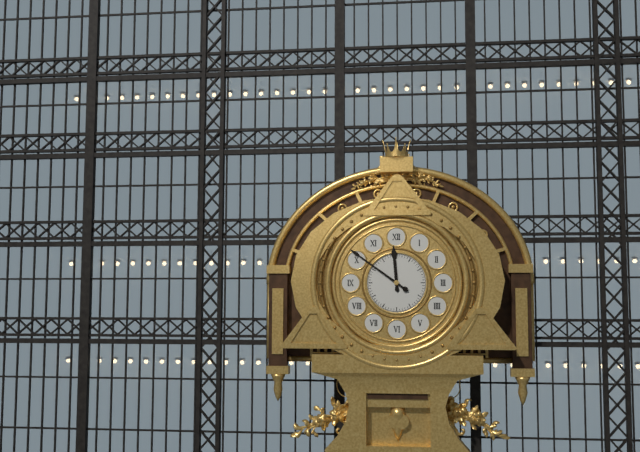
**11:51**
